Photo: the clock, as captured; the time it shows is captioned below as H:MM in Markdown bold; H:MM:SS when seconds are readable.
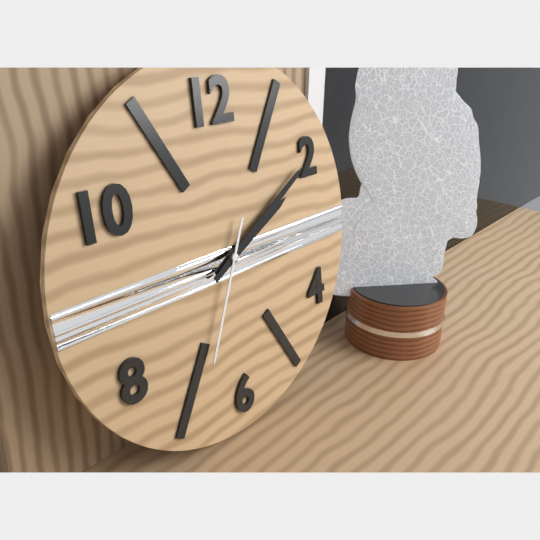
**2:10:34**
